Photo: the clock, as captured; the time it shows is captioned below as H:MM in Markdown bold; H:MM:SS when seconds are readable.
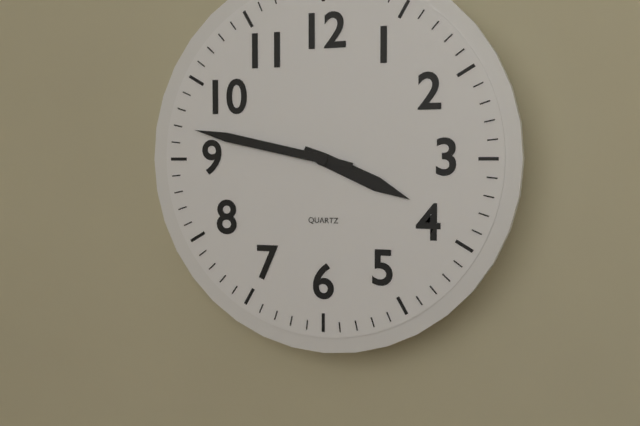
**3:47**
